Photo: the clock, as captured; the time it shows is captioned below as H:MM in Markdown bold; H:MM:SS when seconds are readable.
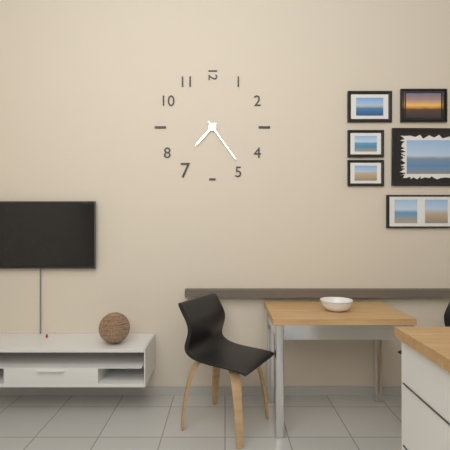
**7:24**
